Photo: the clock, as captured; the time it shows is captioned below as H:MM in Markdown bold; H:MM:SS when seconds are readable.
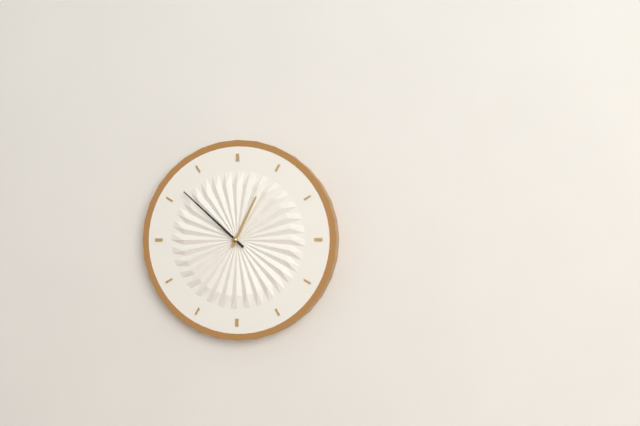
**12:52**
